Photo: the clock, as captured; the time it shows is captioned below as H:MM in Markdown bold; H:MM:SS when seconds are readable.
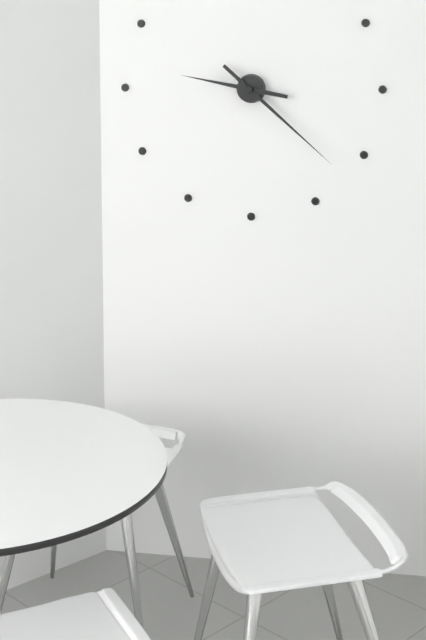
**9:22**
